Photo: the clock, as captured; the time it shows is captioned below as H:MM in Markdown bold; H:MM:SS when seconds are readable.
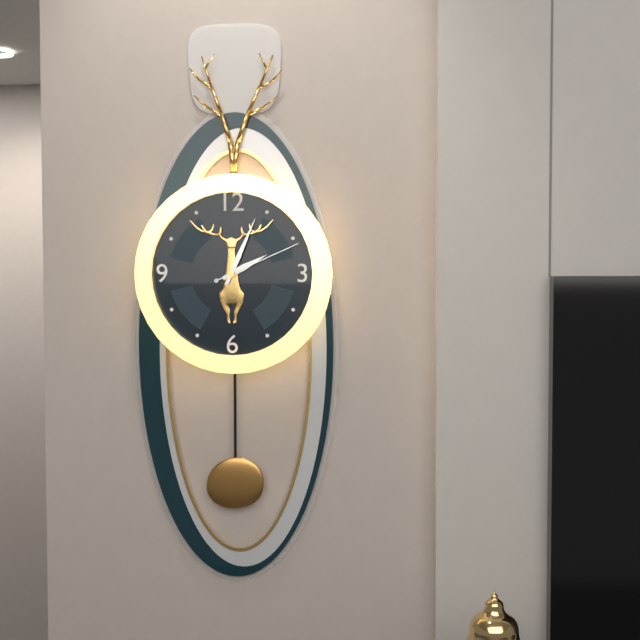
**2:04:11**
